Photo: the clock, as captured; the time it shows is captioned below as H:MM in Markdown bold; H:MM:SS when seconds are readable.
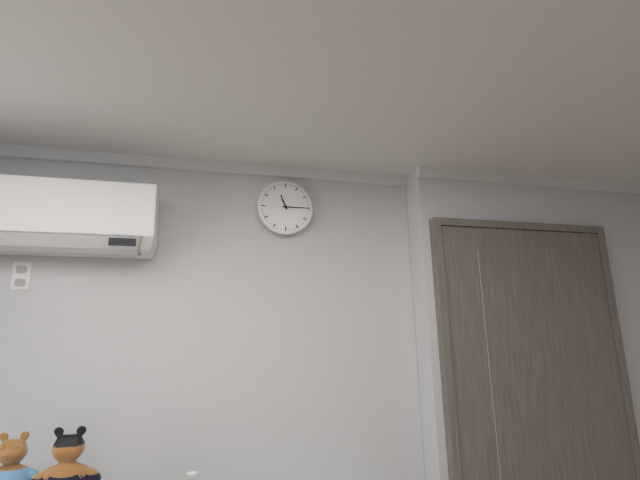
**11:15**
